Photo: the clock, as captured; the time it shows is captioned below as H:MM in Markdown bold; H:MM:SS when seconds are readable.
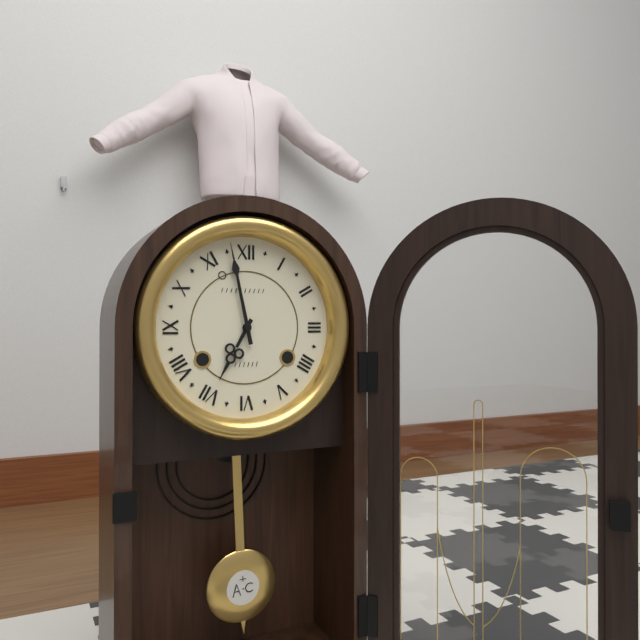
**6:58**
